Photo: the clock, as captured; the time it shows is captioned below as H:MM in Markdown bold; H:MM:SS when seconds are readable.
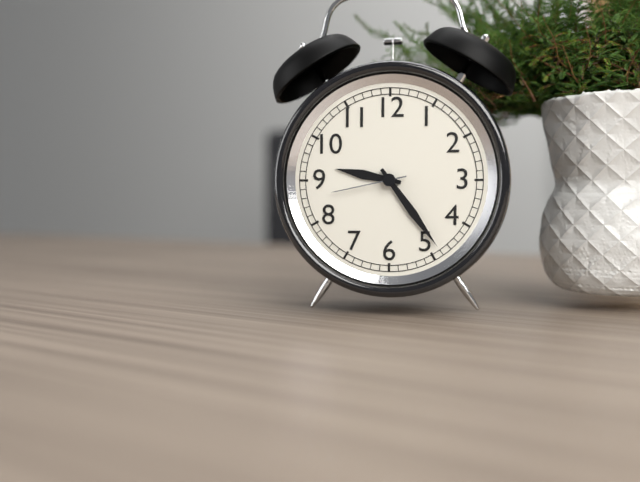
**9:24:43**
